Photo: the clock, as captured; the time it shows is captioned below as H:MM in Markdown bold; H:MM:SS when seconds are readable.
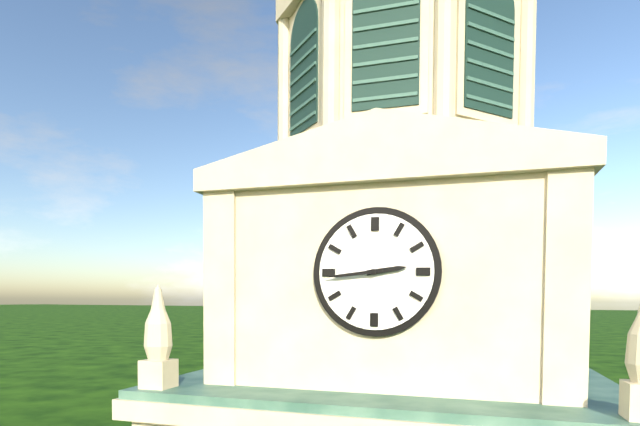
**2:44**
